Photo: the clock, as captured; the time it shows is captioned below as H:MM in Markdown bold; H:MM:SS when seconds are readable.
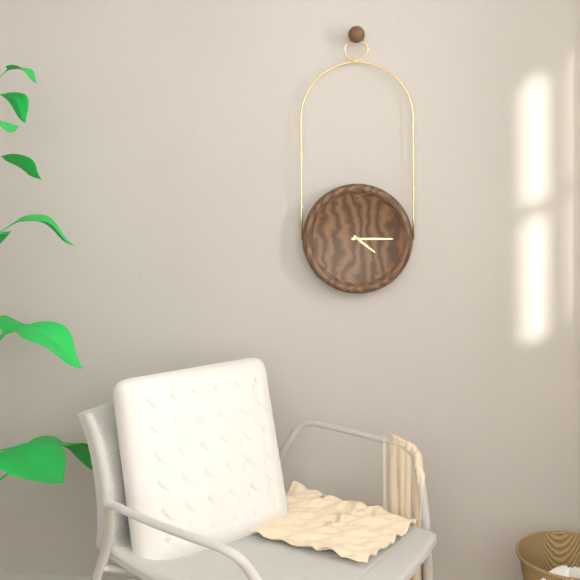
**4:15**
